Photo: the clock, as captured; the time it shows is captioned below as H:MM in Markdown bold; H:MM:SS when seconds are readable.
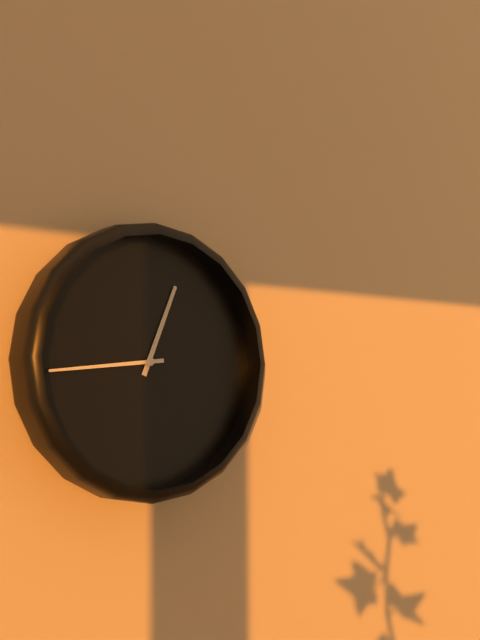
**12:44**
